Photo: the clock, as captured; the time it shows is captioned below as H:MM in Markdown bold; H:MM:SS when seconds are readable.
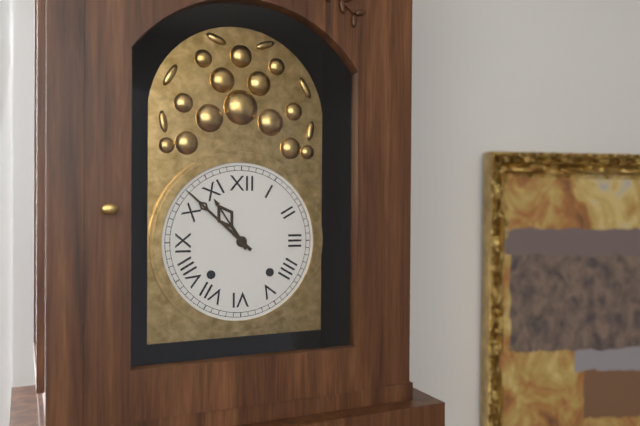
**10:52**
